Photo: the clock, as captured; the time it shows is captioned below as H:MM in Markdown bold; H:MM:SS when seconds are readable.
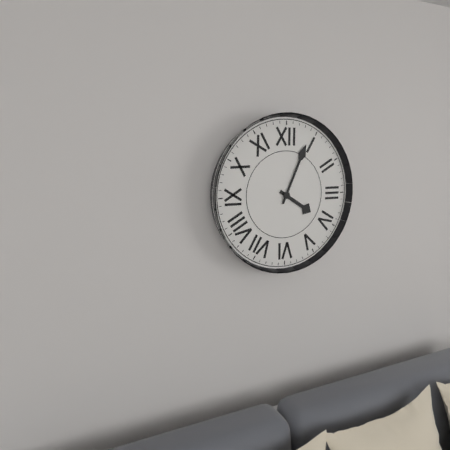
**4:04**
